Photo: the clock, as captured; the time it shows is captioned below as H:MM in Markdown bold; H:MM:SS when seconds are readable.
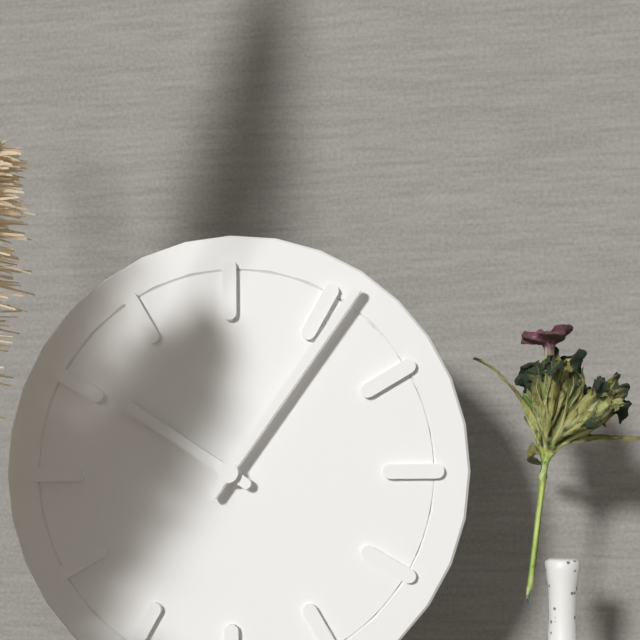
**10:06**
